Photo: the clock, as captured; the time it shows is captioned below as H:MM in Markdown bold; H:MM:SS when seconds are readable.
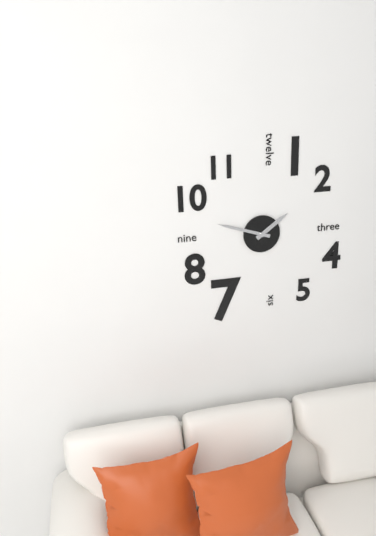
**1:48**
